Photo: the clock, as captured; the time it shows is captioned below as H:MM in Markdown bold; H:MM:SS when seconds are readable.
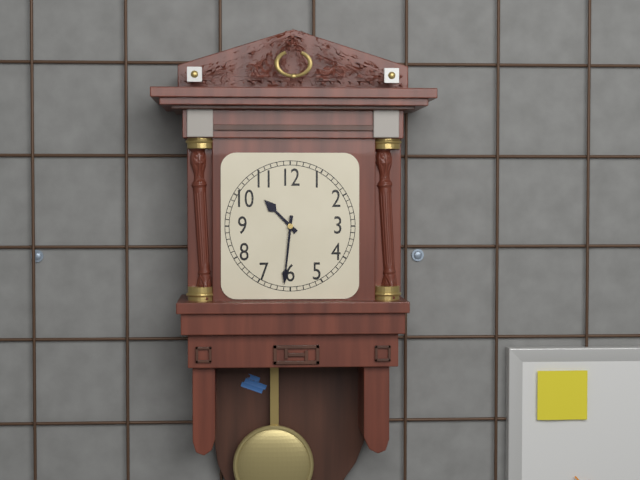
**10:31**
